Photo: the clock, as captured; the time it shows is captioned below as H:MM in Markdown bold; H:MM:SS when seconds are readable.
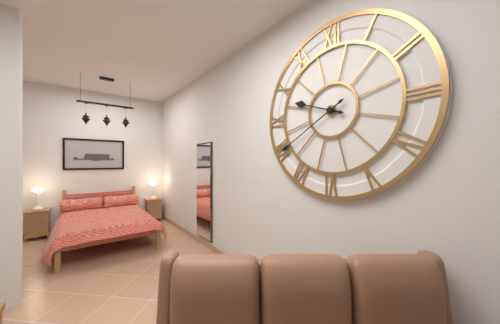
**9:40**
